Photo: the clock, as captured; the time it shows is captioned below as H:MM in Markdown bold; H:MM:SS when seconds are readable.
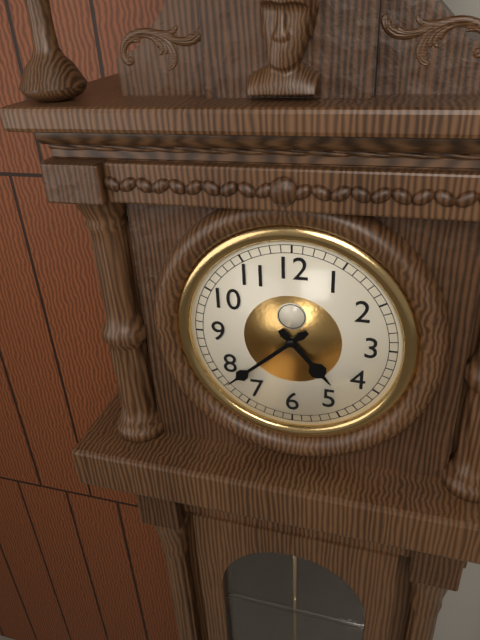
**4:38**
